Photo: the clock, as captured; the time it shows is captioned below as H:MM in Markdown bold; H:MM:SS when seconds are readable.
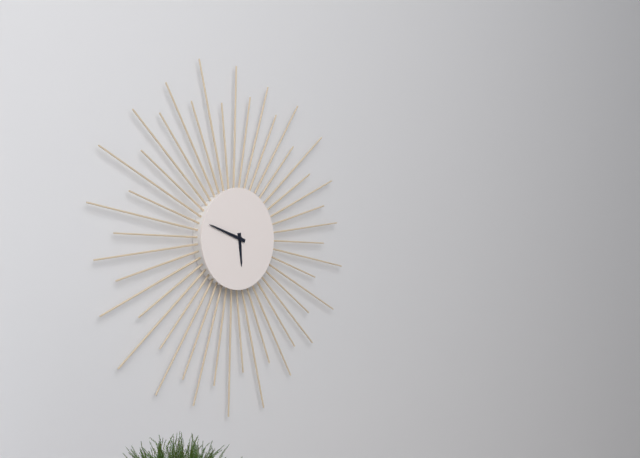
**5:48**
